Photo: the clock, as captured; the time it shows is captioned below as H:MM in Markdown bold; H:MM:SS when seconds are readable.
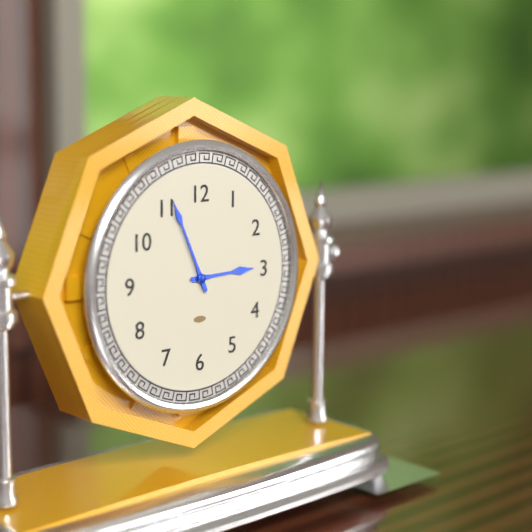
**2:56**
